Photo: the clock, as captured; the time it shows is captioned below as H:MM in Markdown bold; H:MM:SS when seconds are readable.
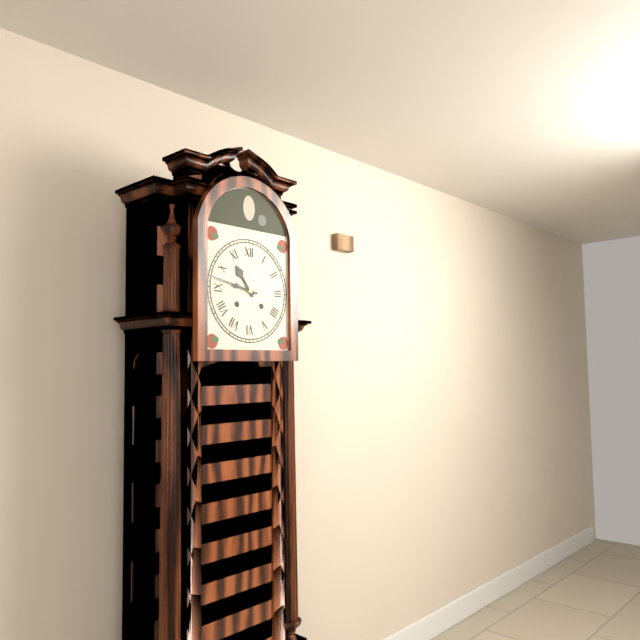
**10:47**
